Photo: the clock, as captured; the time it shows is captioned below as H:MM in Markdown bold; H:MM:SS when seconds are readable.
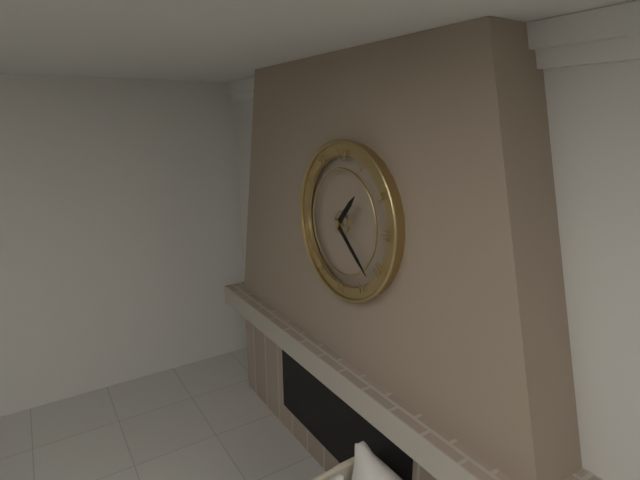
**1:22**
